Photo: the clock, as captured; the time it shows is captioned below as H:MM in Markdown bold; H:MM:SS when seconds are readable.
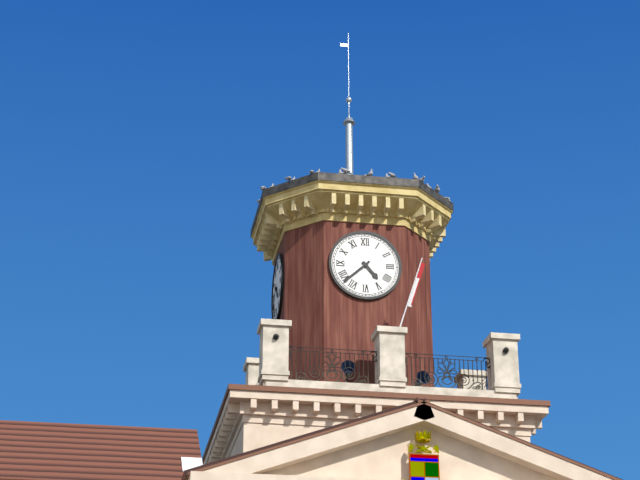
**4:38**
